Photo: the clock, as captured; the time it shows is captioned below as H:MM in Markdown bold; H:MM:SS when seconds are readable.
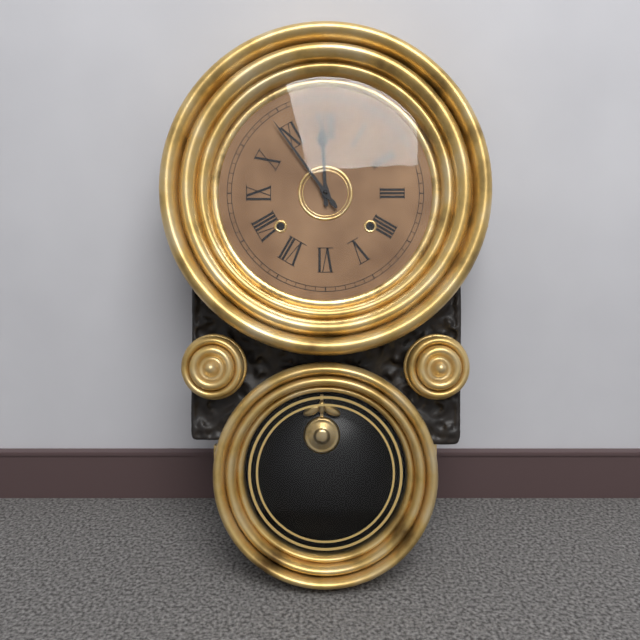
**11:54**
